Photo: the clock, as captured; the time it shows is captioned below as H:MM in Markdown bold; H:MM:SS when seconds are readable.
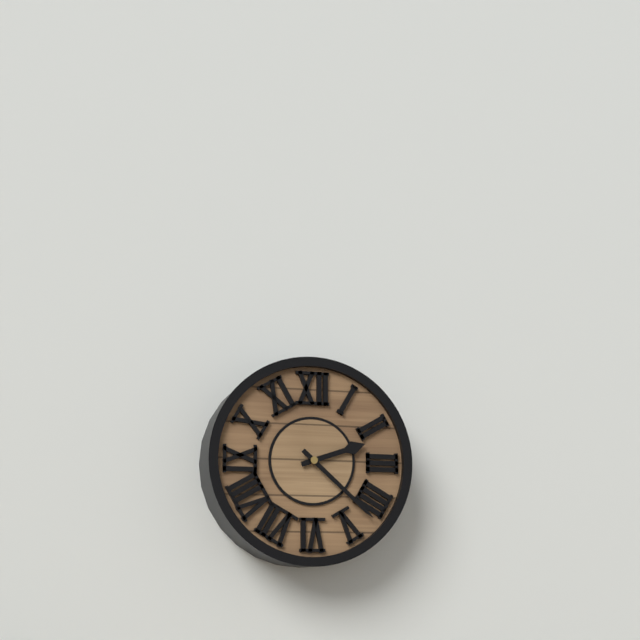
**2:22**
